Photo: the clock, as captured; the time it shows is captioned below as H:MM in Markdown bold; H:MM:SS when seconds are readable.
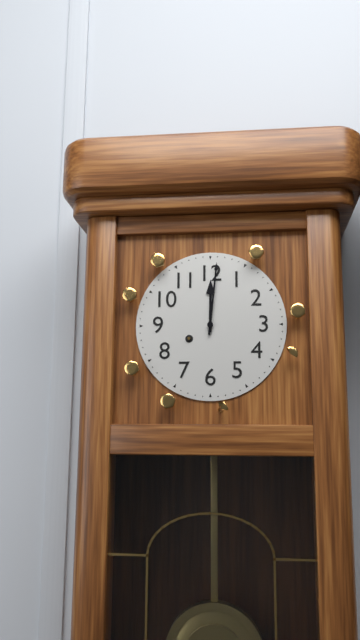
**12:01**
